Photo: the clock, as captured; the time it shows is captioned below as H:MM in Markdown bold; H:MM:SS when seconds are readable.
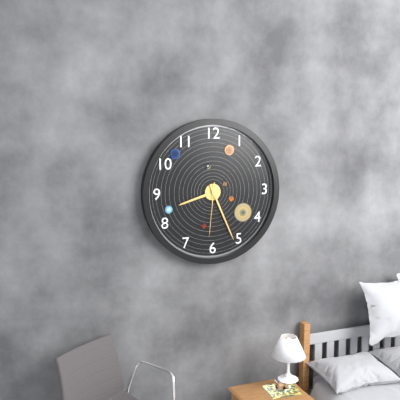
**8:26:31**
